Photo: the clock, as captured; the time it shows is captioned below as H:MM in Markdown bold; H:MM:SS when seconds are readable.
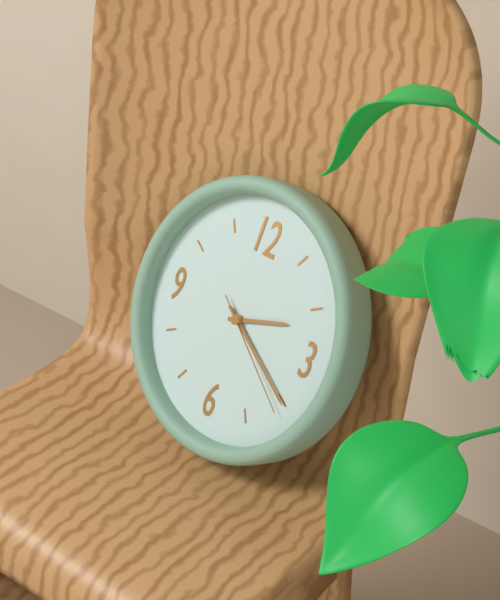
**2:20:21**
